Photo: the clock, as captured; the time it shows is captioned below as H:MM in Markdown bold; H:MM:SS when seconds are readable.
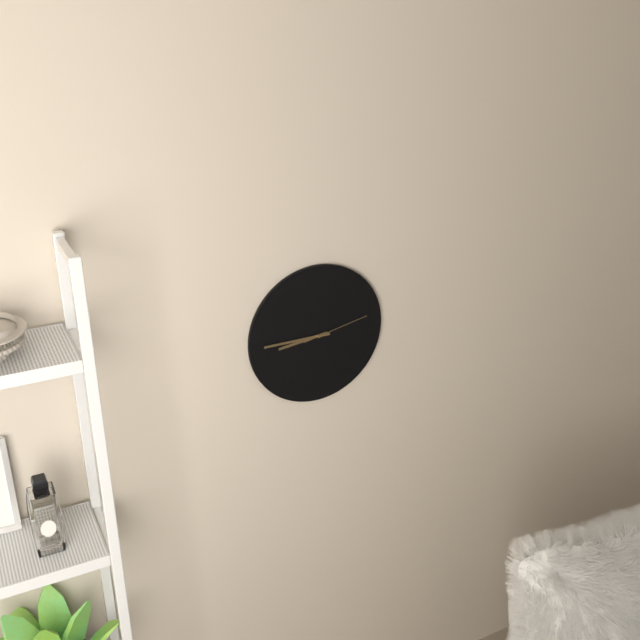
**8:45:13**
